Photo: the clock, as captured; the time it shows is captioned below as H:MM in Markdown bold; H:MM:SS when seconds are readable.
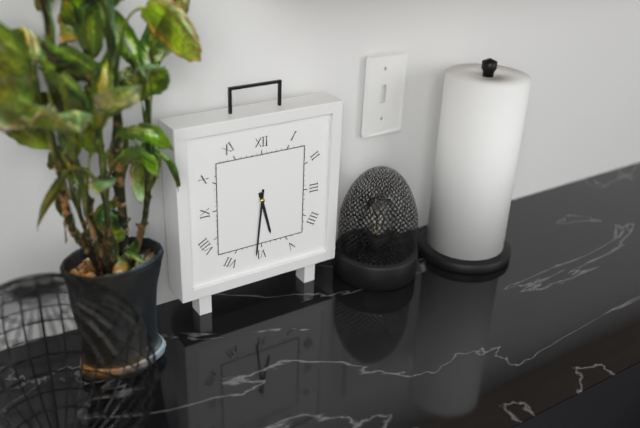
**5:31**
